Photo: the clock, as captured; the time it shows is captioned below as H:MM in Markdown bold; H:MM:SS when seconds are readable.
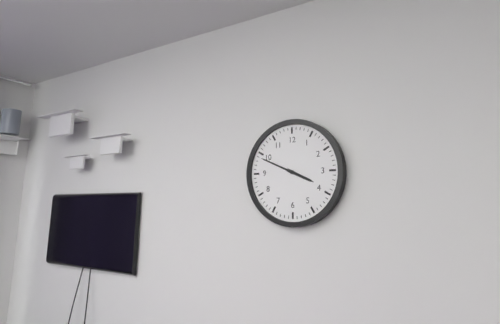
**3:49**
